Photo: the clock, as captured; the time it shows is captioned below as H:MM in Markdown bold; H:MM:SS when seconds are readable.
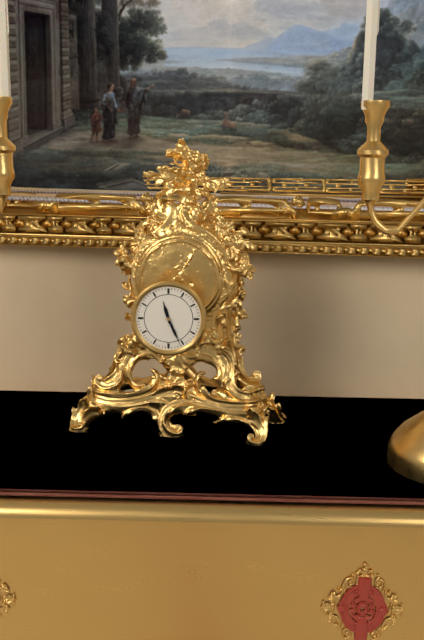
**11:26**
